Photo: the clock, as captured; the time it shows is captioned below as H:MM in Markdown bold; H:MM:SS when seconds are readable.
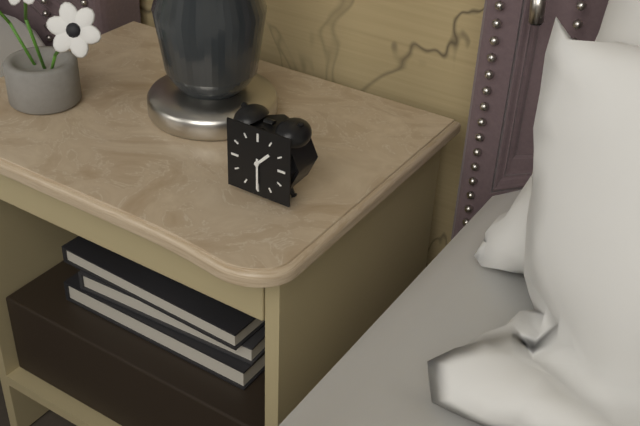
**1:30**
